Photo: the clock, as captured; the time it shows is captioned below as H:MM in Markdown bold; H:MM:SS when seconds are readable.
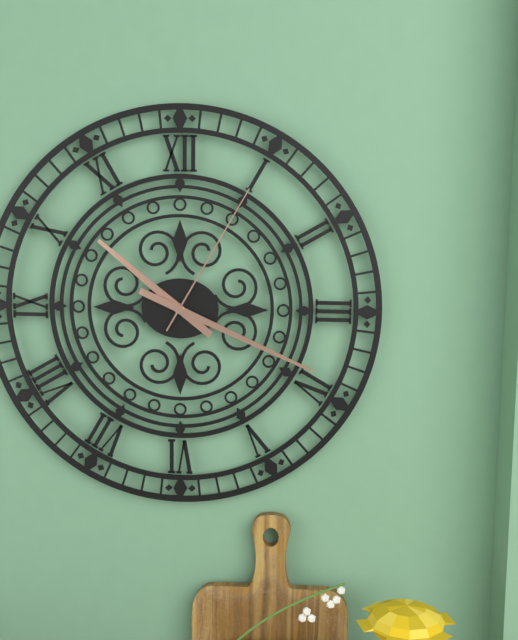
**10:19:05**
